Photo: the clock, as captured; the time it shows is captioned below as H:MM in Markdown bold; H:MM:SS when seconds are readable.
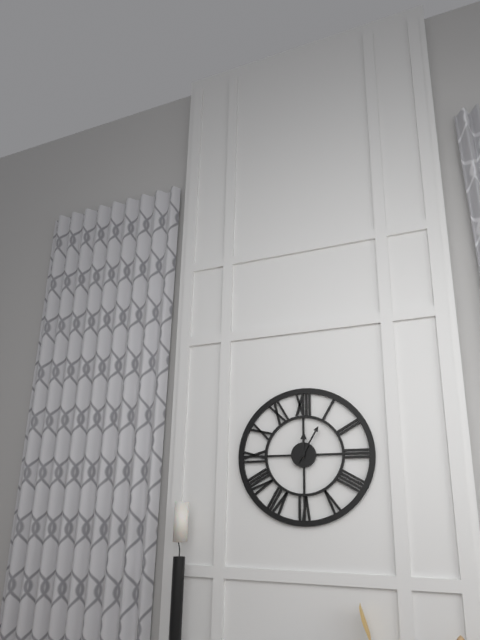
**12:05**
